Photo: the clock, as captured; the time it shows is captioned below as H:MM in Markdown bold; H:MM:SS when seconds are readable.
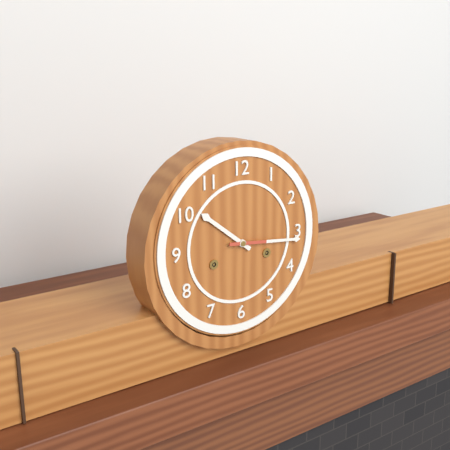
**10:16**
